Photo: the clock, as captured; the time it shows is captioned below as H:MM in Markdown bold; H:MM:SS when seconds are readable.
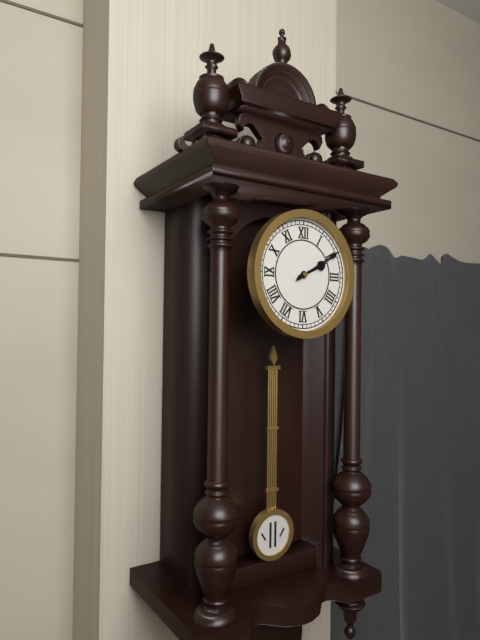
**2:10**
